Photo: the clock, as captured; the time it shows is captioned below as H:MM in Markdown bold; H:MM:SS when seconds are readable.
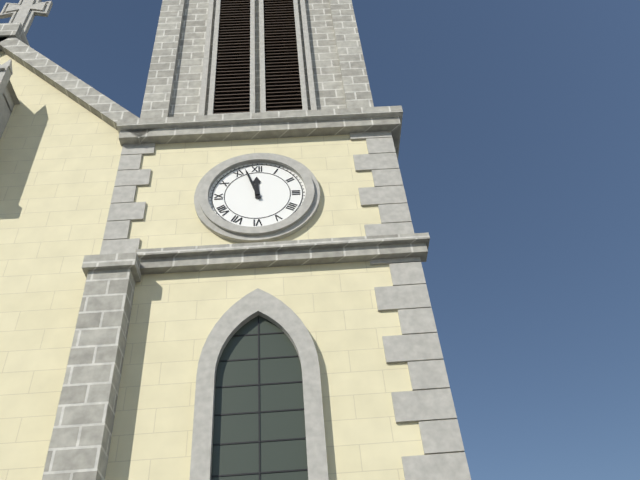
**11:57**
